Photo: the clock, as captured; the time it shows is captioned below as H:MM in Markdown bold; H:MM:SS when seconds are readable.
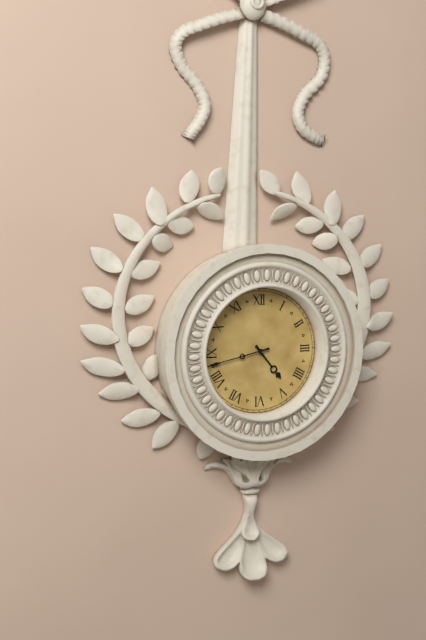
**4:43**
